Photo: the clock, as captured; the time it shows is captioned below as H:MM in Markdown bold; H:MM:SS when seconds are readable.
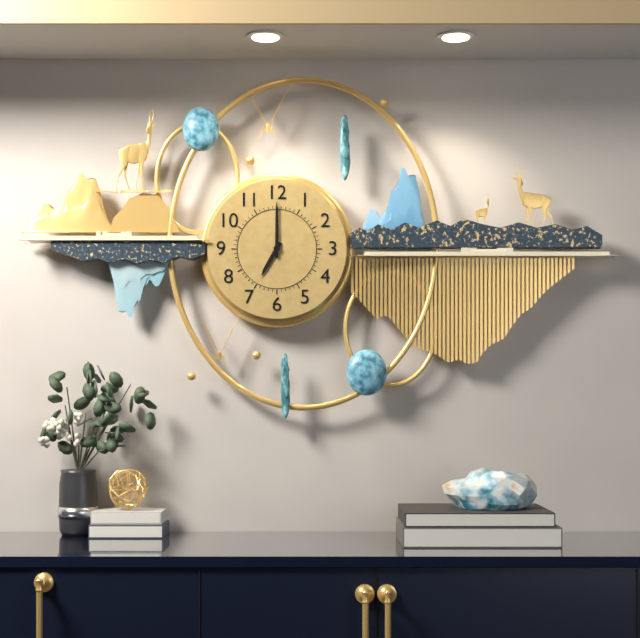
**7:00**
